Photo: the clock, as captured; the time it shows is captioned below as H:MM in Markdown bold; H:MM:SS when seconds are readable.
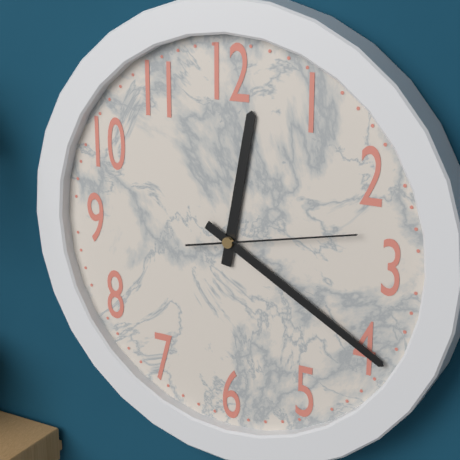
**12:20:13**
